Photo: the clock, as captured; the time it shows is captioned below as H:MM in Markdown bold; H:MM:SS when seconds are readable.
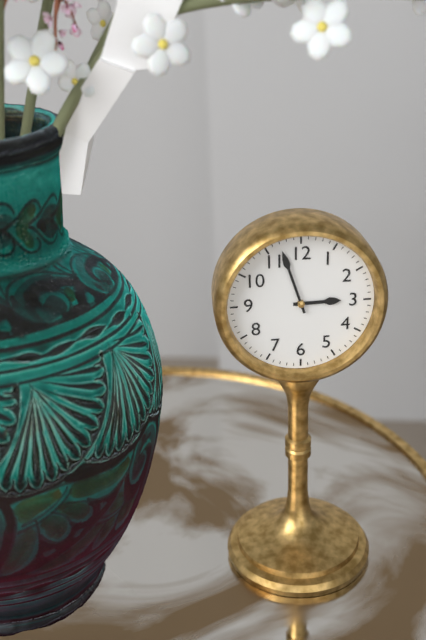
**2:57**
